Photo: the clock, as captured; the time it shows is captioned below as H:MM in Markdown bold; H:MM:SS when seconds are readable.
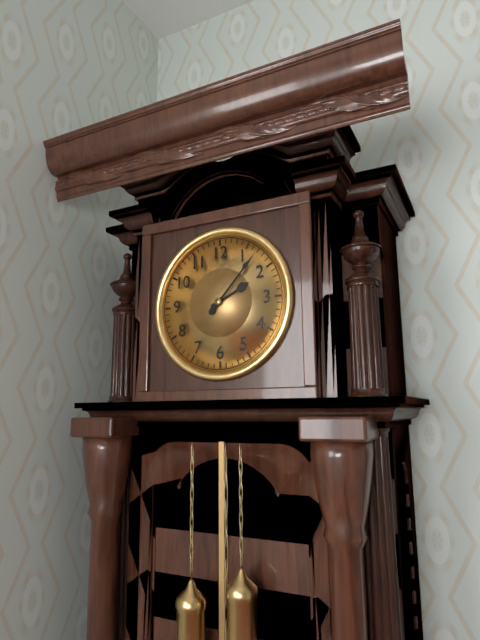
**2:07**
